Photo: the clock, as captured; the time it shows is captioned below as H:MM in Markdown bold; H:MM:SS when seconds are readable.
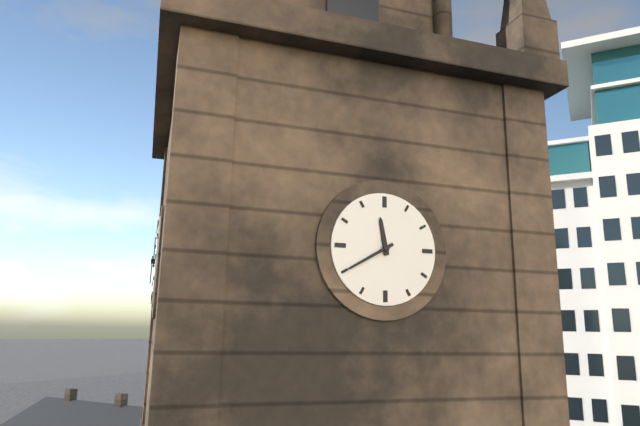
**11:40**
